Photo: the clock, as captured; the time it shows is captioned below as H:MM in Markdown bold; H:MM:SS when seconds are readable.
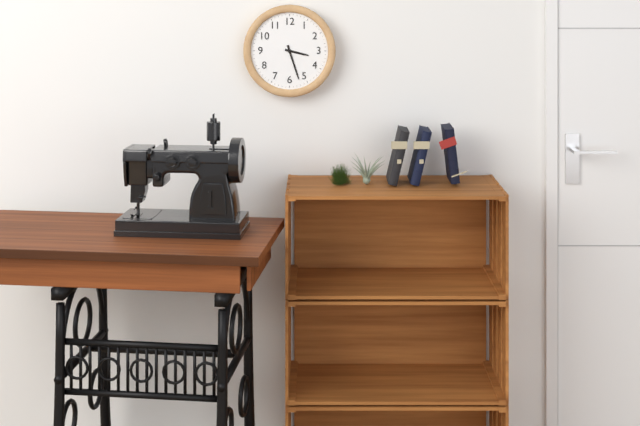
**3:27**
